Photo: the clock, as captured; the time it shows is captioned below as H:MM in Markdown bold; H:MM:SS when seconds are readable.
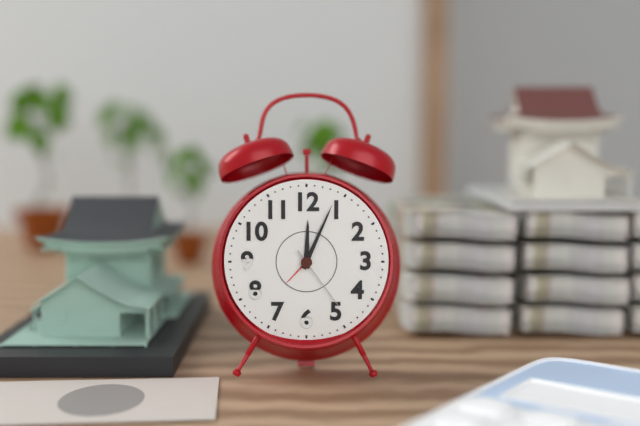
**12:04:24**
